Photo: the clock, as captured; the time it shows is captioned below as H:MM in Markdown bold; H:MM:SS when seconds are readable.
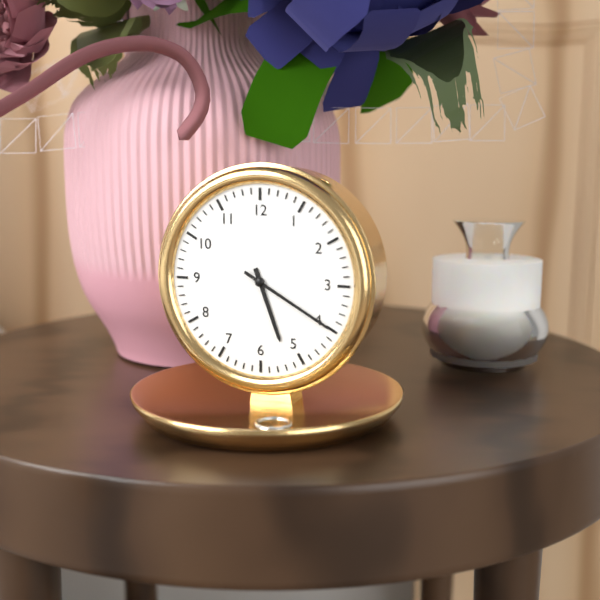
**5:20**
